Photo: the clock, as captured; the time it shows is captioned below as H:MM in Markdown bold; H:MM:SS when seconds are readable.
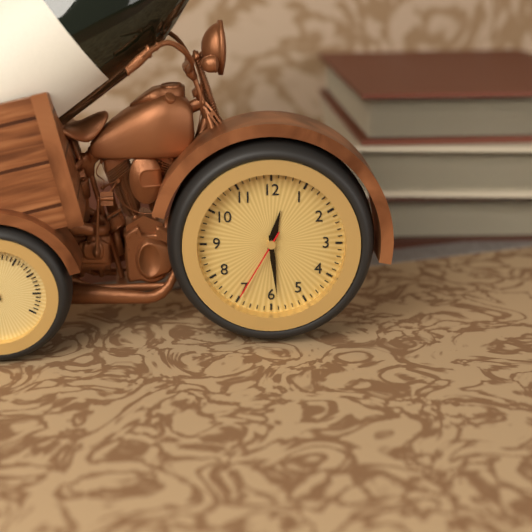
**12:29:35**
